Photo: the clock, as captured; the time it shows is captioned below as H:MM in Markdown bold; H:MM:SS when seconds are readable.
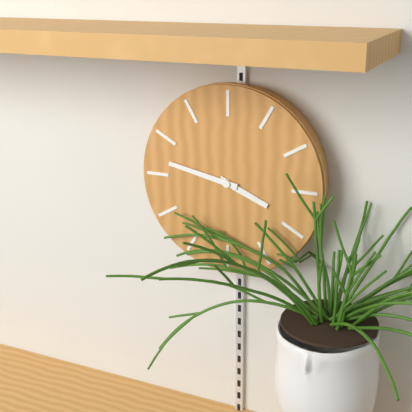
**3:47**
